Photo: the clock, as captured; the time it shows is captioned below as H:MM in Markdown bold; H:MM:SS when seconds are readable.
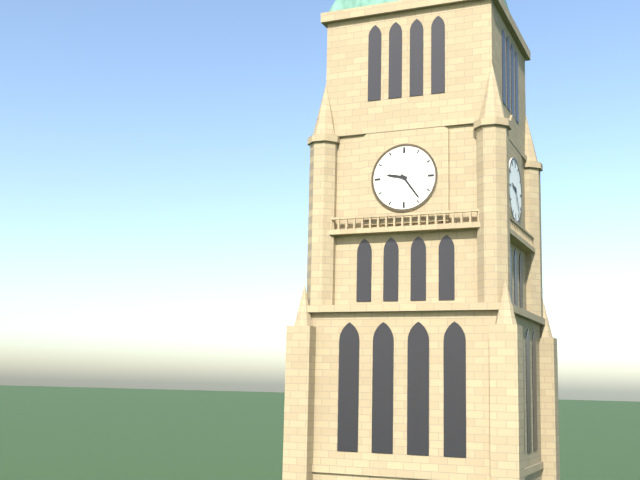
**9:24**
